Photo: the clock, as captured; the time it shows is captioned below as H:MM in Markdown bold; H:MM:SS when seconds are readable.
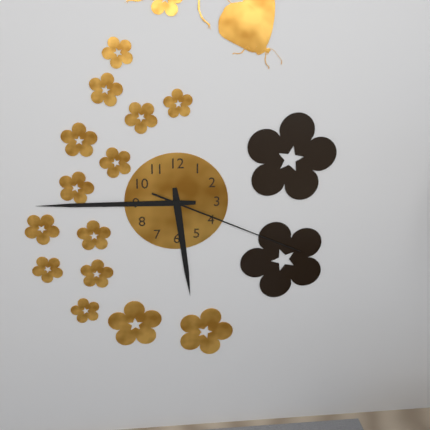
**5:45:19**
